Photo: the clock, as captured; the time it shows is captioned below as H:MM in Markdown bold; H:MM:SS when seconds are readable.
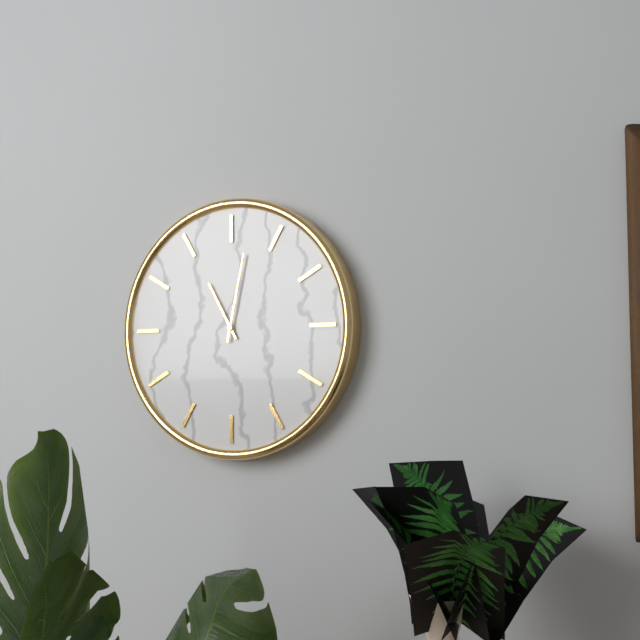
**11:02**
